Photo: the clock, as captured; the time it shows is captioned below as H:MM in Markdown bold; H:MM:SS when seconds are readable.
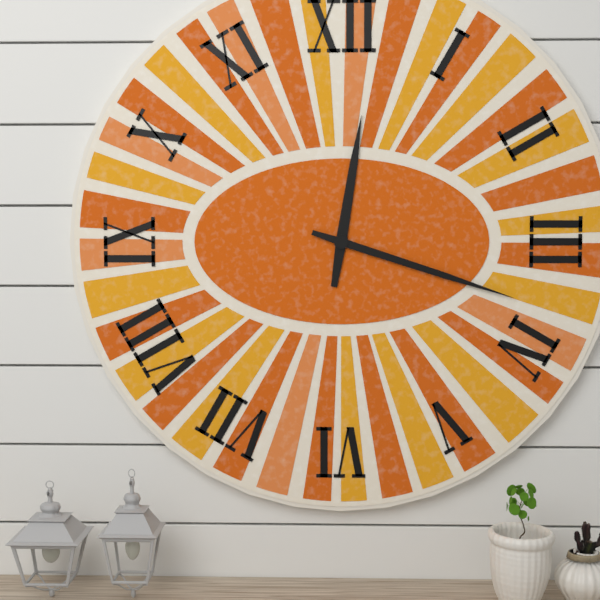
**12:18**
